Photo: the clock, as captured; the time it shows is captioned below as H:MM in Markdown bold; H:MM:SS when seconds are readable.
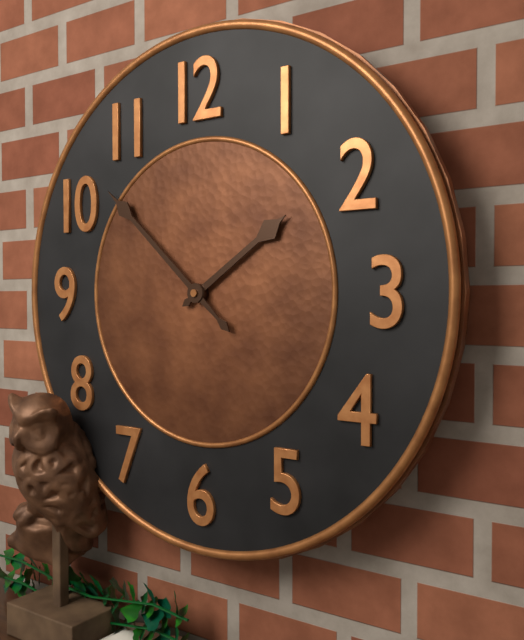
**1:52**
